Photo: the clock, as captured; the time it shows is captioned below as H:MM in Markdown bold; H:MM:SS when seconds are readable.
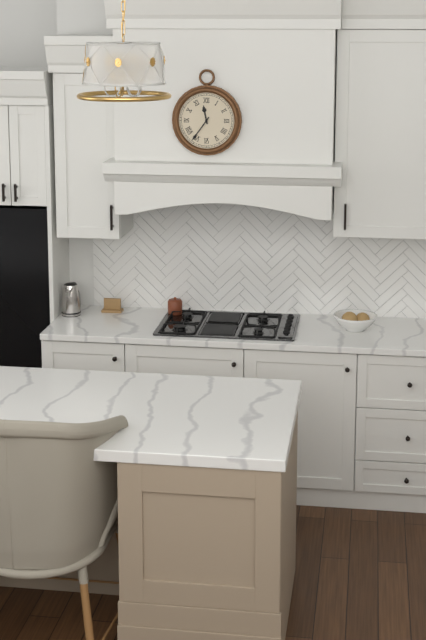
**11:36**
